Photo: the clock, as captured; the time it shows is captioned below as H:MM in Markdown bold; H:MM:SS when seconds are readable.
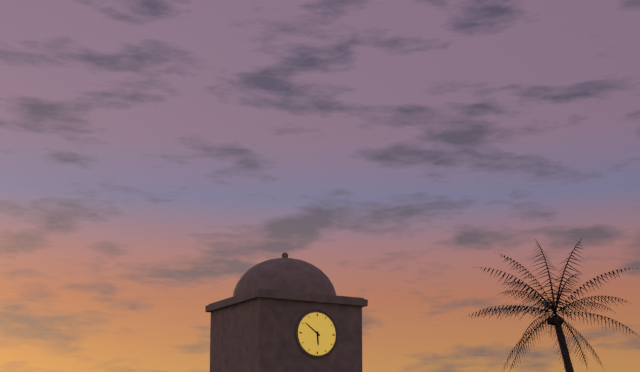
**5:51**
